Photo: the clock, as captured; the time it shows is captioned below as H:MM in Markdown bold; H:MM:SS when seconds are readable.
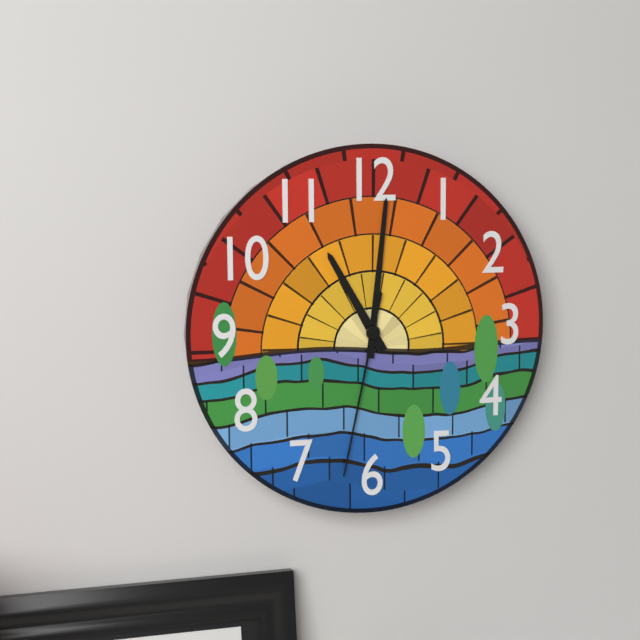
**11:01:32**
